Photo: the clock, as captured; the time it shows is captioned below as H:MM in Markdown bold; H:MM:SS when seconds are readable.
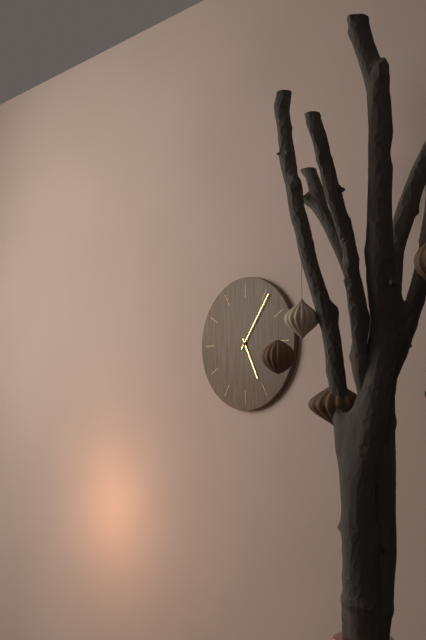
**5:06**
